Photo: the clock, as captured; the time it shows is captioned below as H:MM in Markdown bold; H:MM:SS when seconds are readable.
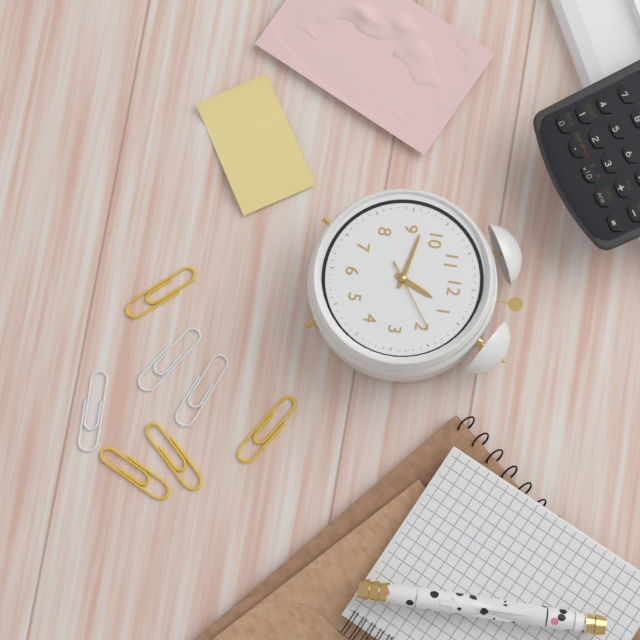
**12:47:09**
